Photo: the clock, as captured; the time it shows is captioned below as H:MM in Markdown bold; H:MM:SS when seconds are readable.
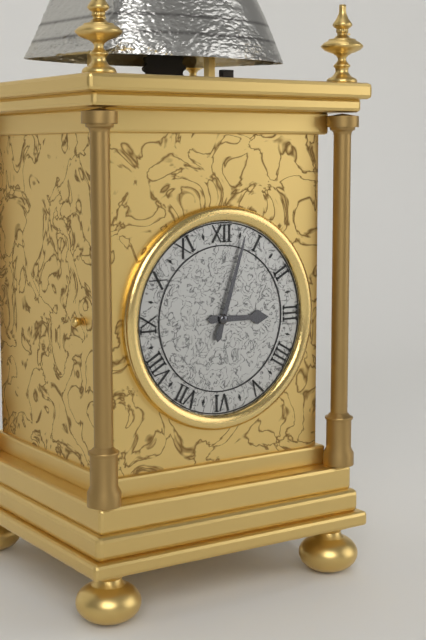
**3:03**
